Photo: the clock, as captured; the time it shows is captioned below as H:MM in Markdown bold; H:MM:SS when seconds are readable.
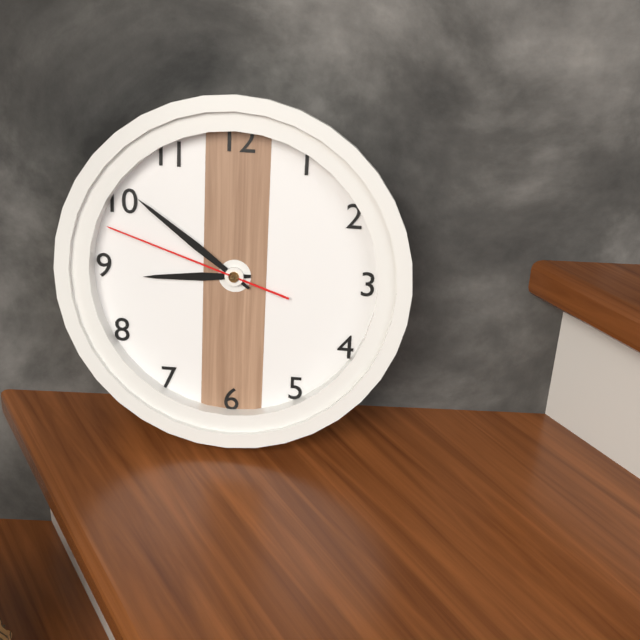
**8:51:48**
